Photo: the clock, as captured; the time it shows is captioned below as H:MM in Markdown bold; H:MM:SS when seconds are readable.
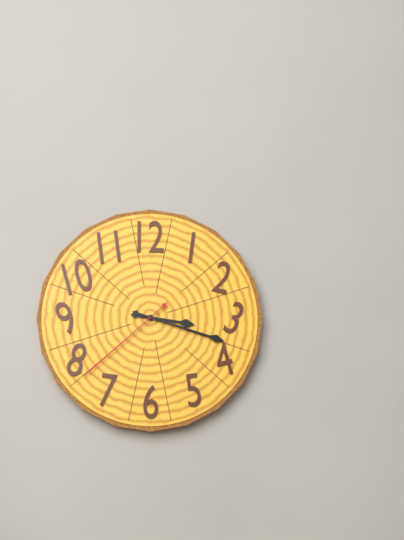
**3:18:38**
